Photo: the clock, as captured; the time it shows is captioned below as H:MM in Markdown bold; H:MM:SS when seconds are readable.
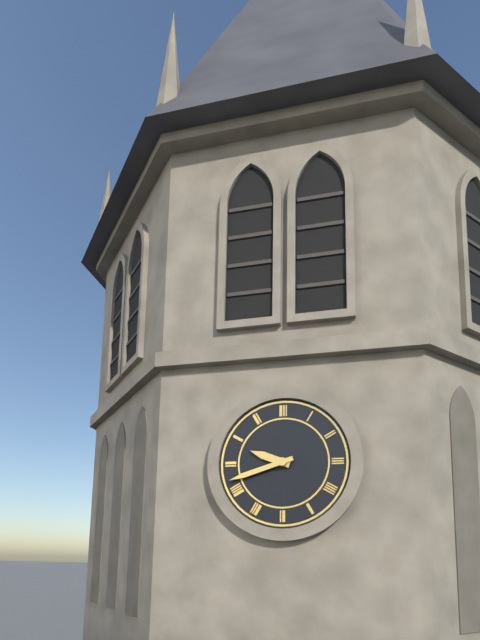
**9:42**
